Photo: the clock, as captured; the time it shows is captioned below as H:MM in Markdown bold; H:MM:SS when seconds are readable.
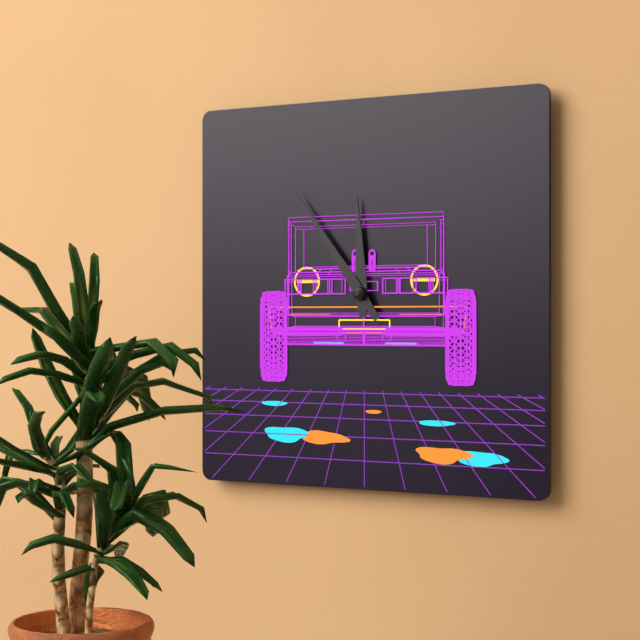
**11:54**
